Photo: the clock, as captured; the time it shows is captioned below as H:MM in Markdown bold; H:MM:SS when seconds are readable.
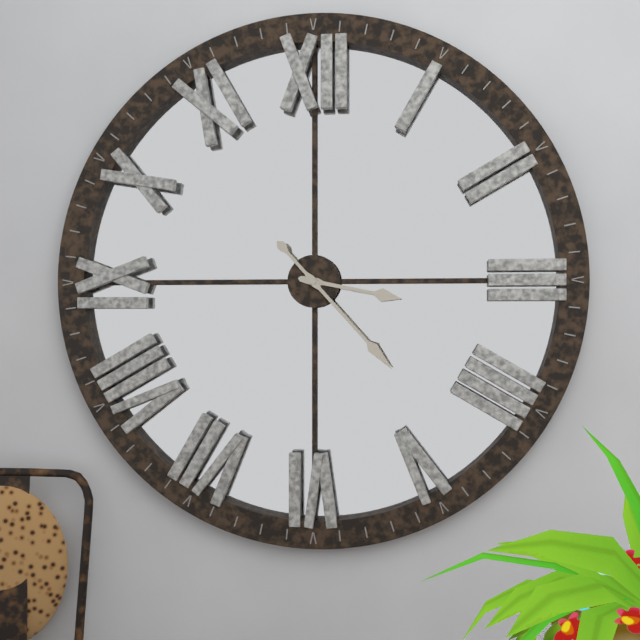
**3:23**
